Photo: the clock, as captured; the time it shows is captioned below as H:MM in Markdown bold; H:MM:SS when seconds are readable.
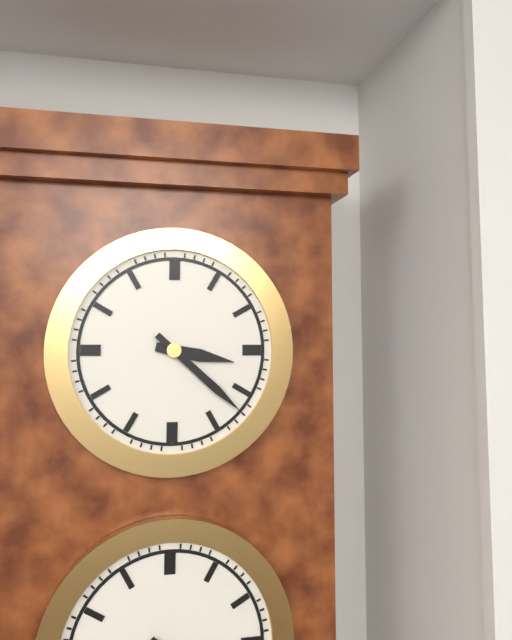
**3:22**
